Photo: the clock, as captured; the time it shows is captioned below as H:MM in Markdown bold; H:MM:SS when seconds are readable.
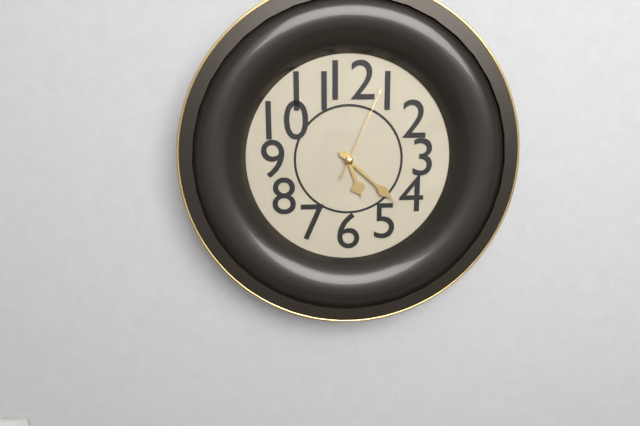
**5:22:04**
